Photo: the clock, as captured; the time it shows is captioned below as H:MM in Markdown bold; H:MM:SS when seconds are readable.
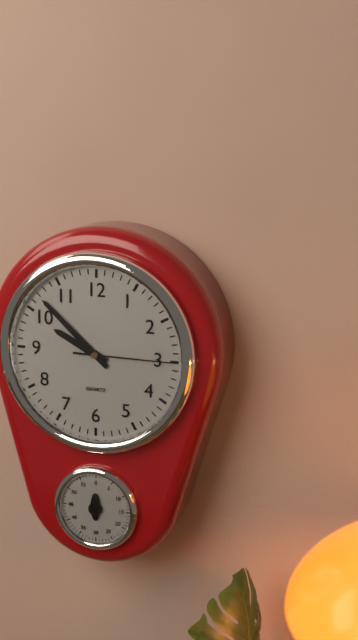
**9:52:15**
